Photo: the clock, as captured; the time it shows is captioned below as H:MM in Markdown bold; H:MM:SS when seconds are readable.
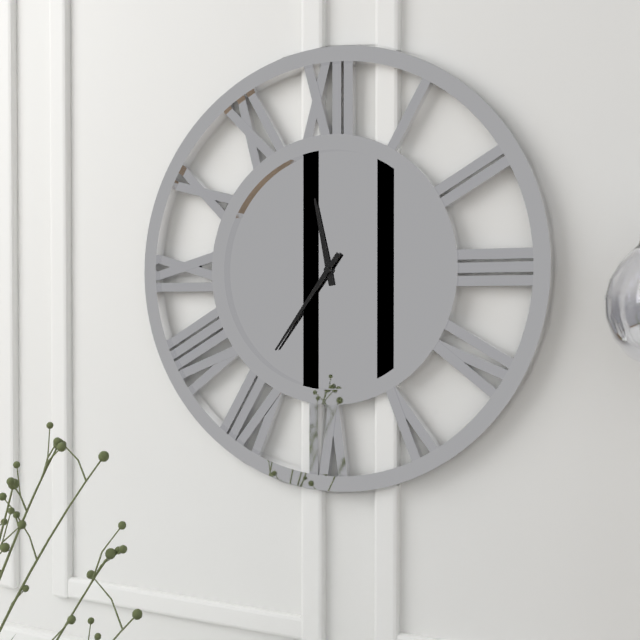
**11:36**
